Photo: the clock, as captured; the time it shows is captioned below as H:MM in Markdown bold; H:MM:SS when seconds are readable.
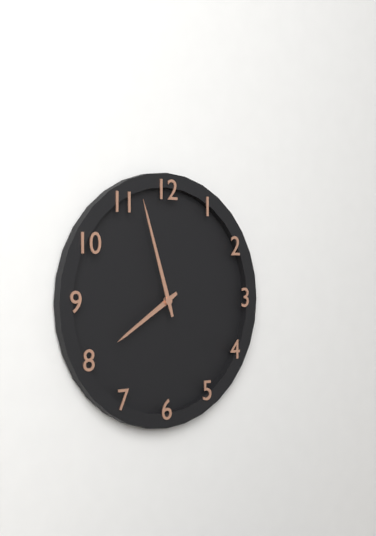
**7:57**
